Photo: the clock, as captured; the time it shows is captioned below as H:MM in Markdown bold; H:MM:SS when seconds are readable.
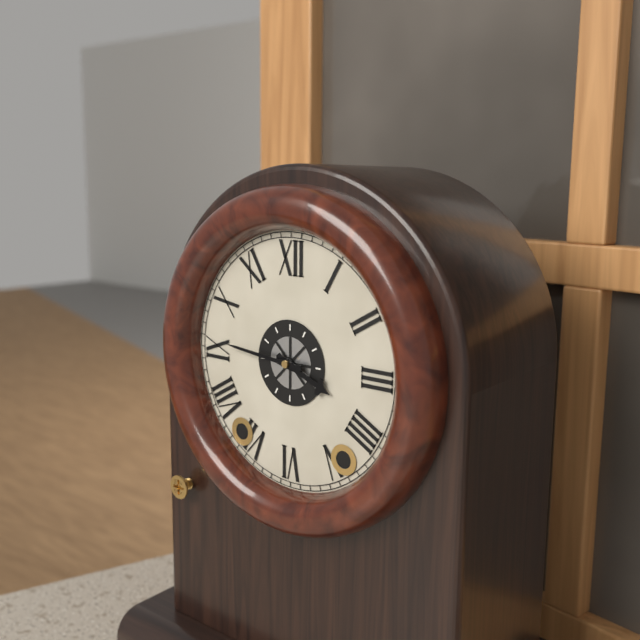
**3:46**
